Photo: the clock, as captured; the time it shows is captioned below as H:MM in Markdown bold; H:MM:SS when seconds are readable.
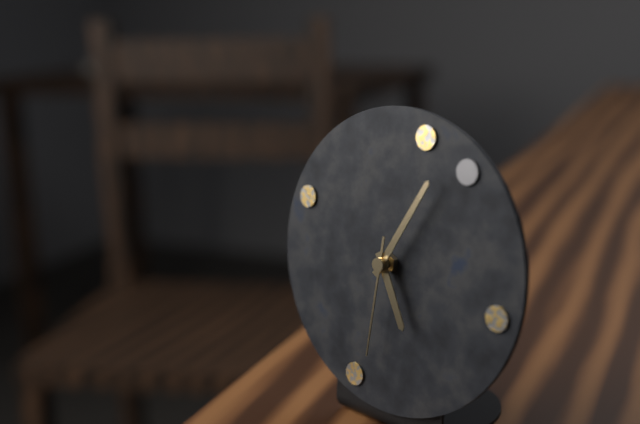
**5:05:31**
